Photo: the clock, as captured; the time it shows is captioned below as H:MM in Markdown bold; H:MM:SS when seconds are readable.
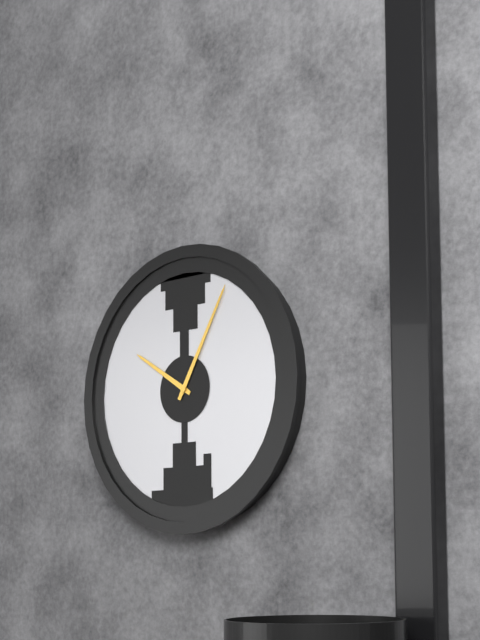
**10:05**
